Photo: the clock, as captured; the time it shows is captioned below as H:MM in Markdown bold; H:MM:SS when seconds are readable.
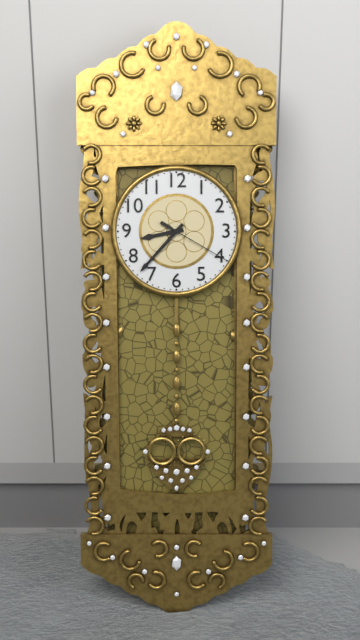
**8:37:20**
